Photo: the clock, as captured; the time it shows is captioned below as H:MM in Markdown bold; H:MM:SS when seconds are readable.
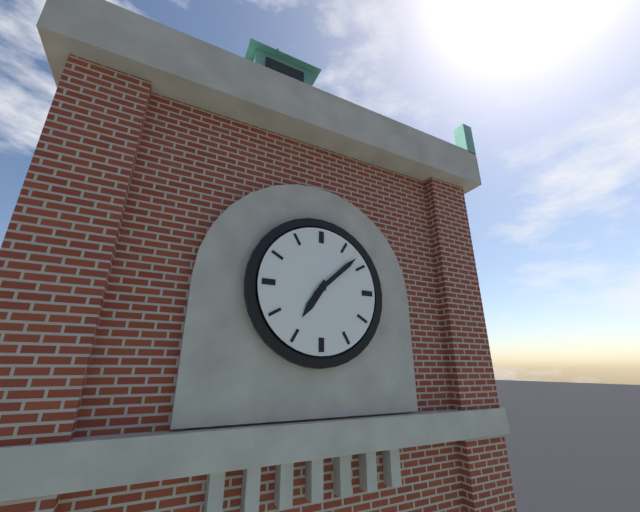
**7:08**
